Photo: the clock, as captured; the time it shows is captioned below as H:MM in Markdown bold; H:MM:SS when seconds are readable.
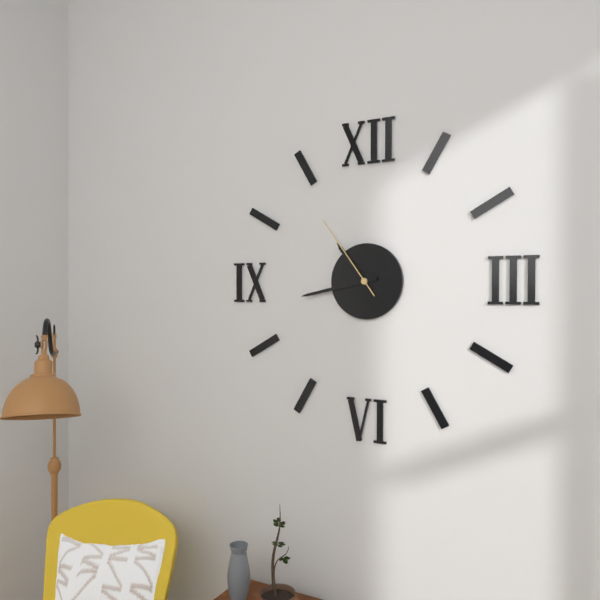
**10:43:54**
